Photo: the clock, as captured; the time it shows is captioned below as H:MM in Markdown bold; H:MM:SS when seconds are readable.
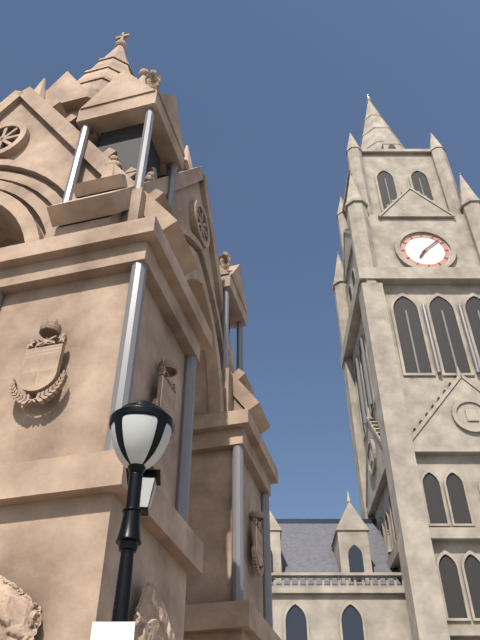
**7:08**
